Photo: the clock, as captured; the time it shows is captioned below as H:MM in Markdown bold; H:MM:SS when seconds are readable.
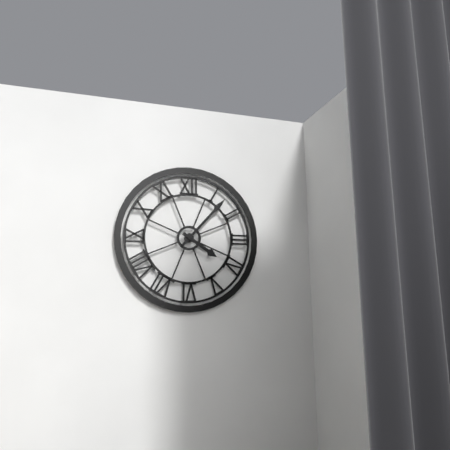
**4:07**
